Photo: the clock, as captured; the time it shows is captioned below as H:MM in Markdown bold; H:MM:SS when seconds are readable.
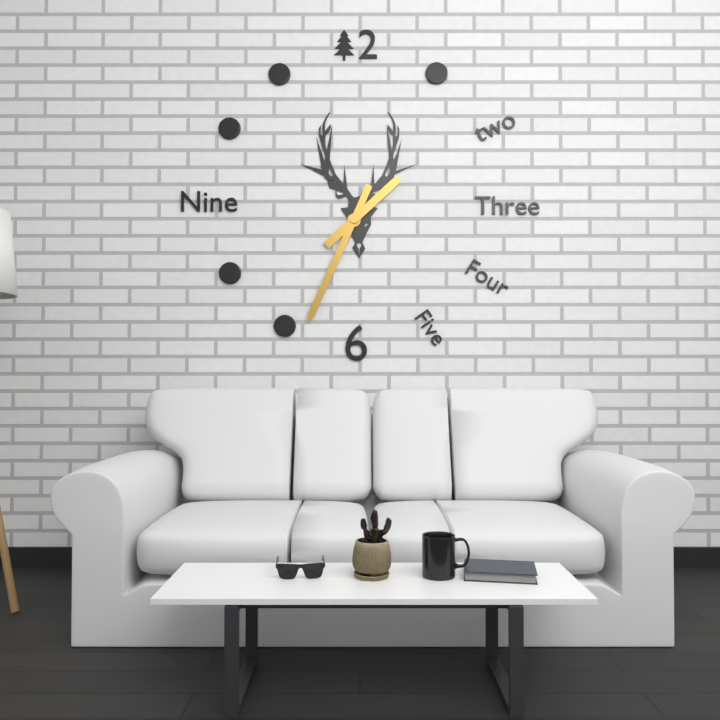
**1:34**
